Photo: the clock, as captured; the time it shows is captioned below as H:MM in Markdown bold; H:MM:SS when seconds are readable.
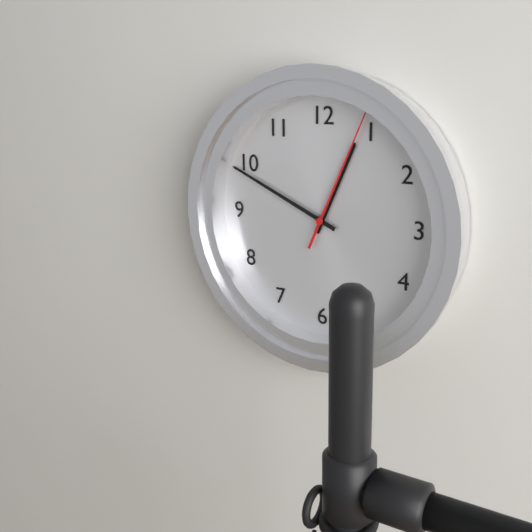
**12:49:04**
